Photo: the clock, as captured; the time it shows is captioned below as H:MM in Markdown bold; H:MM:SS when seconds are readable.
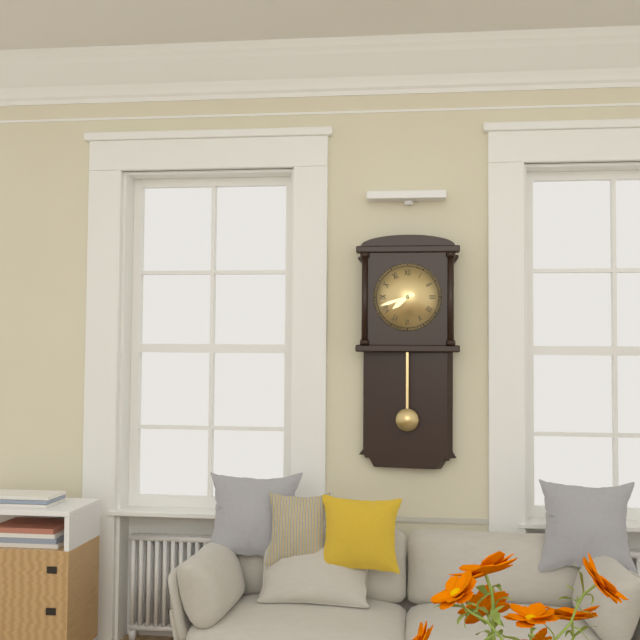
**7:42**
